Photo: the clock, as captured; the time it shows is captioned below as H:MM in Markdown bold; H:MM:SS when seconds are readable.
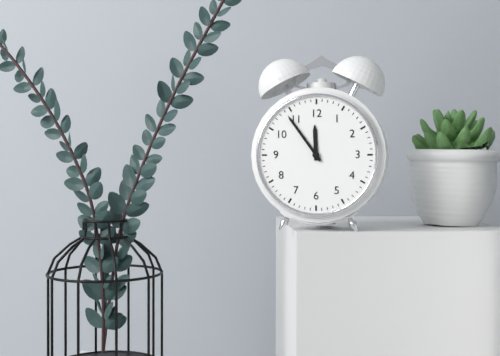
**11:54**
